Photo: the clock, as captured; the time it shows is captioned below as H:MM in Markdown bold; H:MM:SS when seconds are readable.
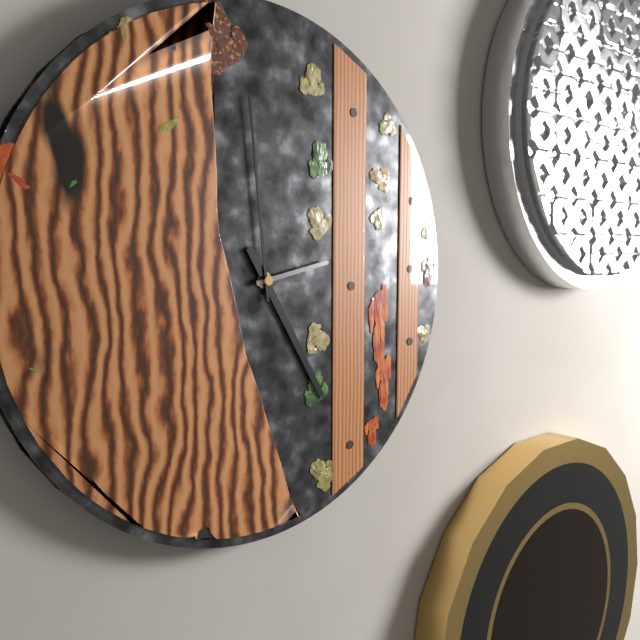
**4:59:13**
